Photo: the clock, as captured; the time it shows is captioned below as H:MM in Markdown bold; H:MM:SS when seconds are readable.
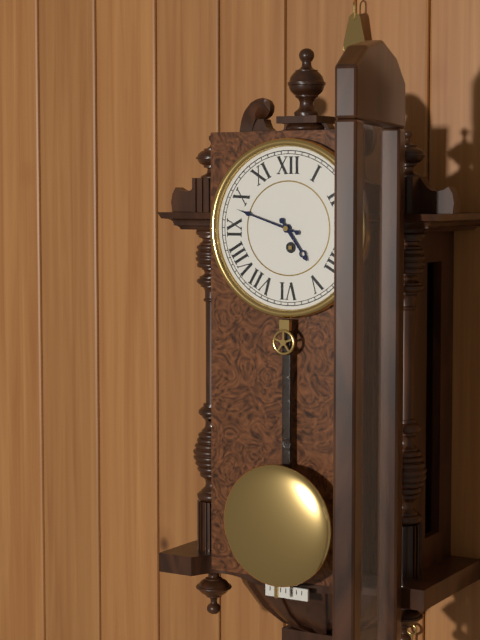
**4:48**
